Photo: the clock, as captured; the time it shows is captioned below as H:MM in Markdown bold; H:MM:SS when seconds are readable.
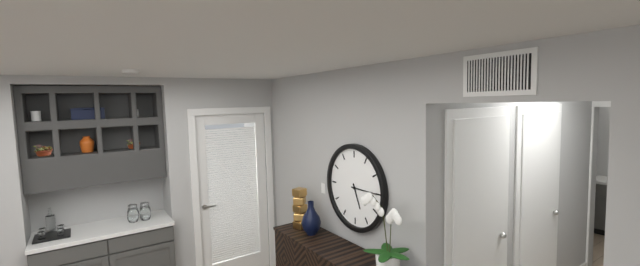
**5:15**
